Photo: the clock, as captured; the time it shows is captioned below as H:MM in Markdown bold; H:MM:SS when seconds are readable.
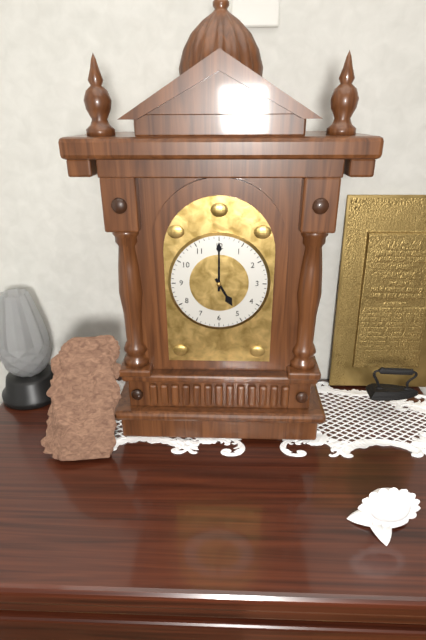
**5:00**
